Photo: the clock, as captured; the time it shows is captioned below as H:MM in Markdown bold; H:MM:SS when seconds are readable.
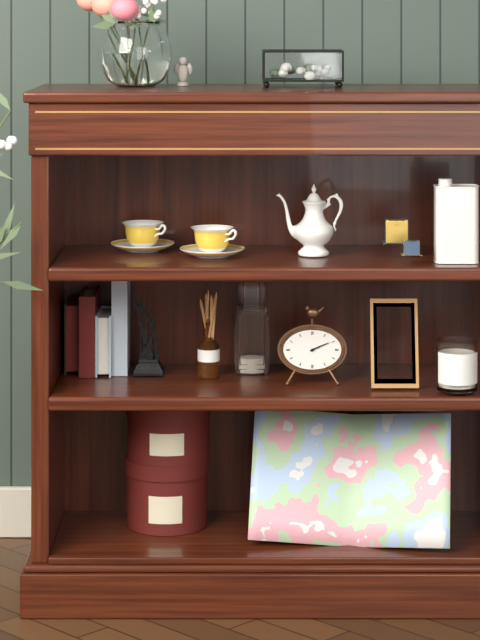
**2:11**
